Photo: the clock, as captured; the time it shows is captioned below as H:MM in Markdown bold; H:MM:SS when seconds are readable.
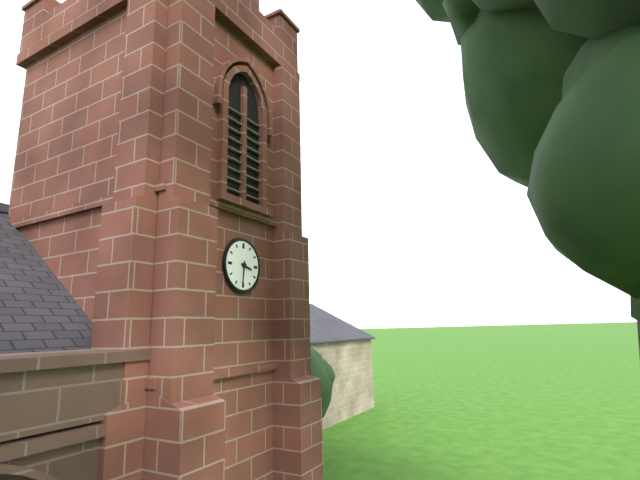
**3:31**
